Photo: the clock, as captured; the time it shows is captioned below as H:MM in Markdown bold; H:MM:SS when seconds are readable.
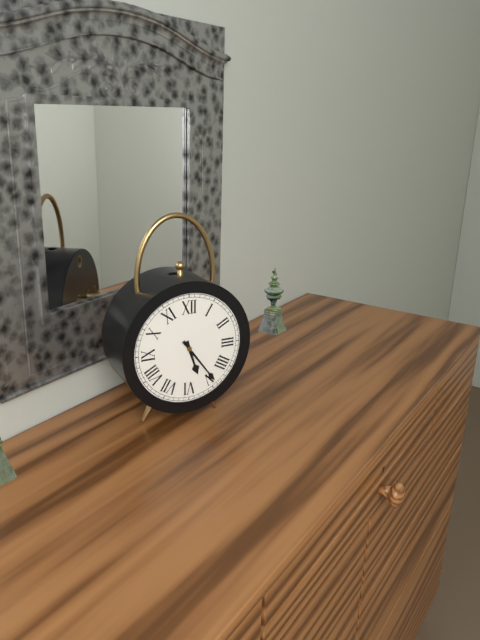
**5:24**
